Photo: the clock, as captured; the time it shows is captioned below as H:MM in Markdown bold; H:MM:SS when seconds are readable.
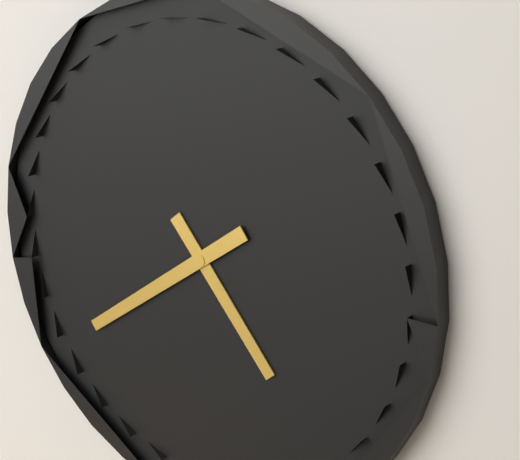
**4:39**
